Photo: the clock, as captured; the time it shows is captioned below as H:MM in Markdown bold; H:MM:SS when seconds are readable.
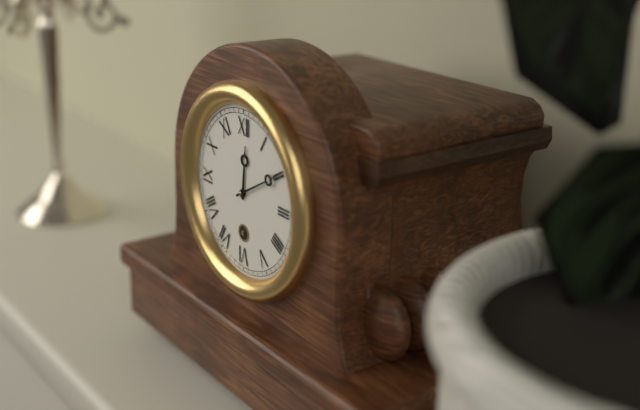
**12:10**
